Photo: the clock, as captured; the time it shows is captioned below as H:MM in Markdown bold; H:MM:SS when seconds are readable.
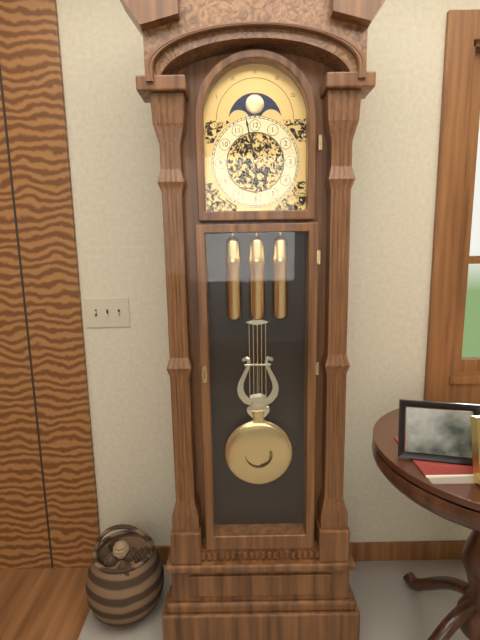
**5:58**
